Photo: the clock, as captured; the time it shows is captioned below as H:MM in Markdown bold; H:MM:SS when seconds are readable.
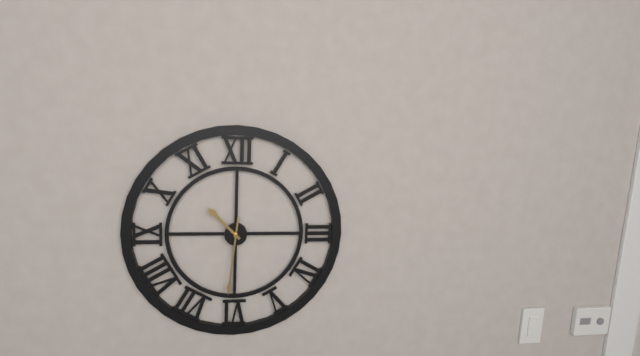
**10:31**
